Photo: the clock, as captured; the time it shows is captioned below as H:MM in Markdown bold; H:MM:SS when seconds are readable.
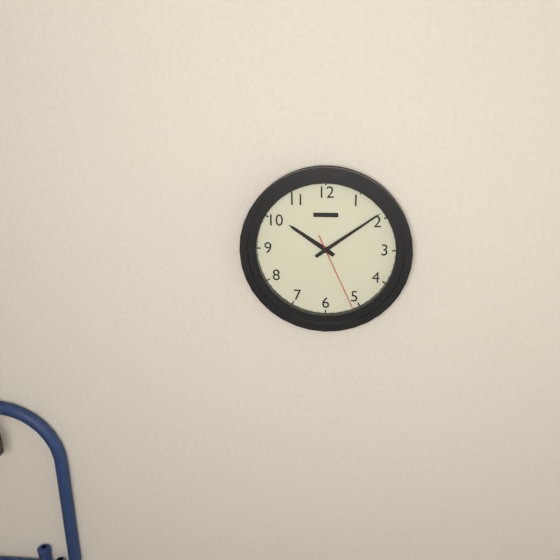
**10:09:26**
